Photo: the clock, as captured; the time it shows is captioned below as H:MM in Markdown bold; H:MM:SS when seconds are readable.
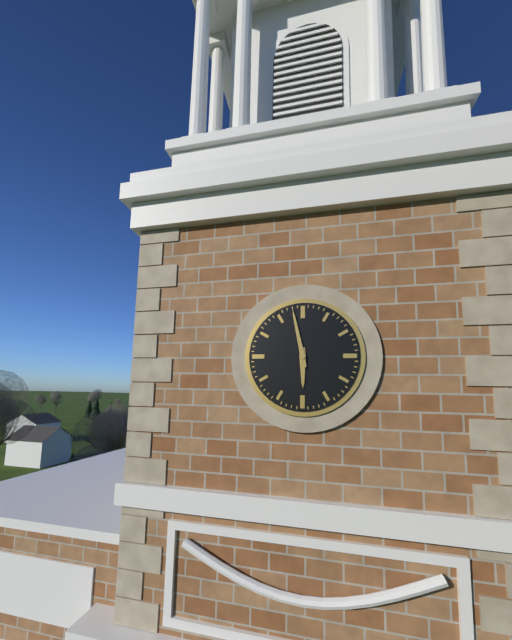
**5:58**
